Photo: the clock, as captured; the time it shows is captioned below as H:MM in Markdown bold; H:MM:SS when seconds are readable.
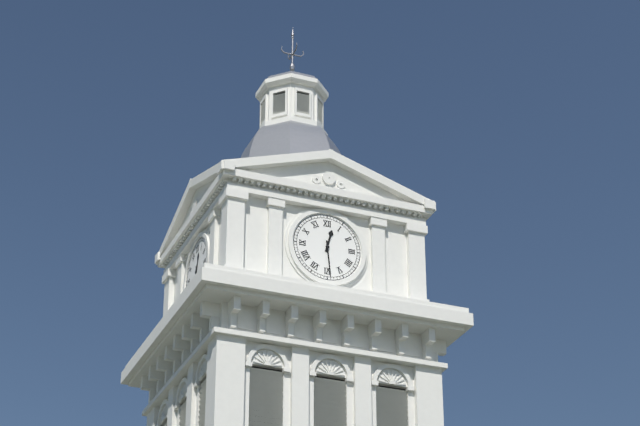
**12:29**
